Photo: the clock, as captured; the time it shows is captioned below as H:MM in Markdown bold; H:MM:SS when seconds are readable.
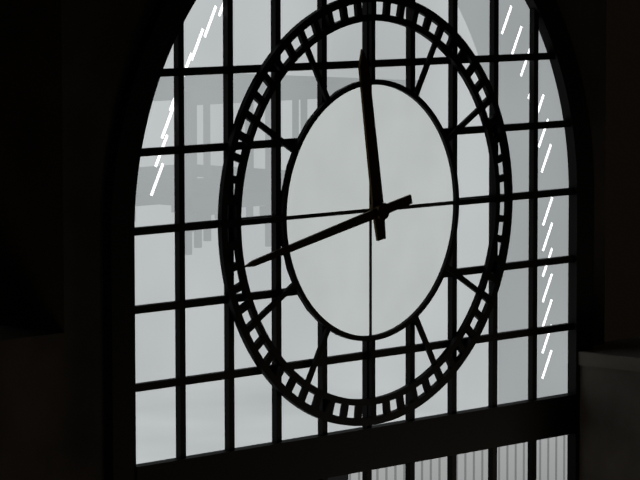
**11:43**
